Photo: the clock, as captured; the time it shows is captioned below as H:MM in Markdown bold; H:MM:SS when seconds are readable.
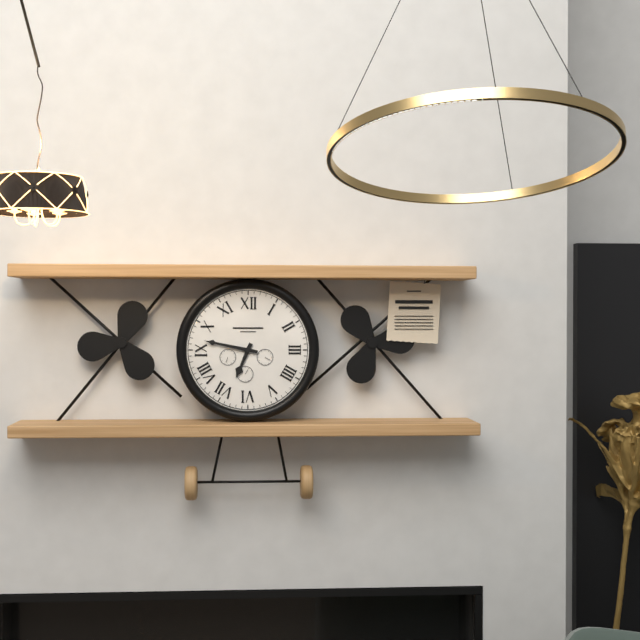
**6:47**
